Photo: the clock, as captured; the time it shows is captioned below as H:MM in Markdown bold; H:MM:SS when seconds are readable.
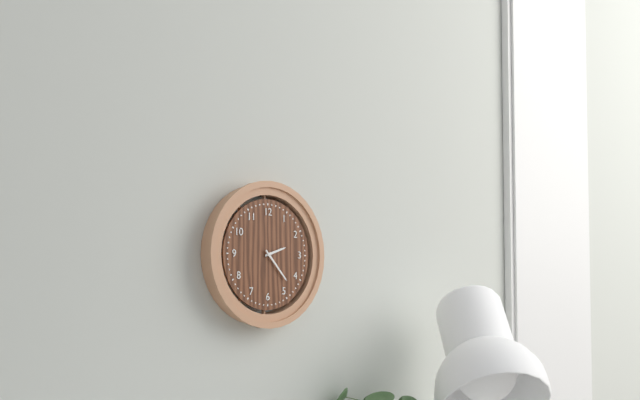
**2:23**
